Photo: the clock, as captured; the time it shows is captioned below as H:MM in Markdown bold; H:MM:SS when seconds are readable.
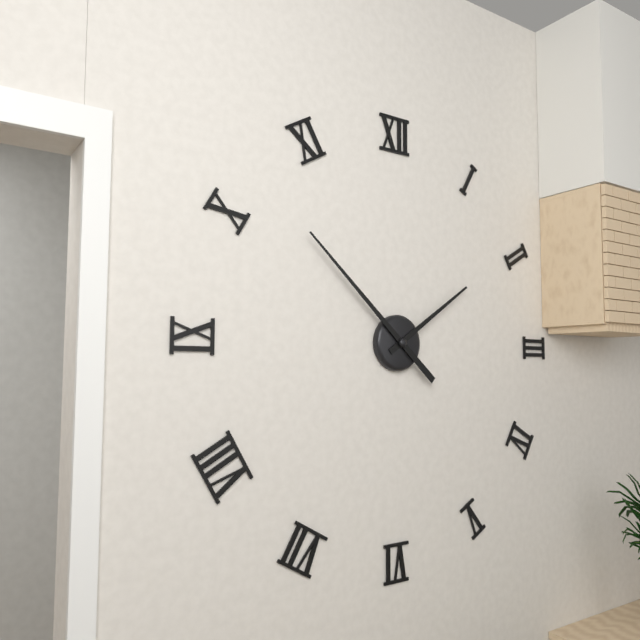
**1:52**
